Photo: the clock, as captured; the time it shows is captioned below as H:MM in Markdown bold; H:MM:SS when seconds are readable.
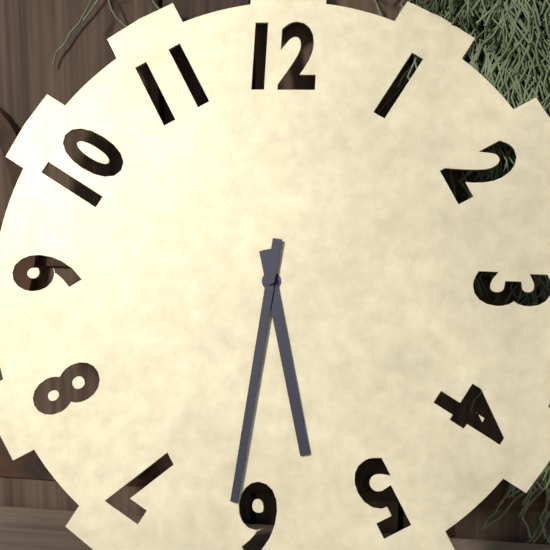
**5:31**
